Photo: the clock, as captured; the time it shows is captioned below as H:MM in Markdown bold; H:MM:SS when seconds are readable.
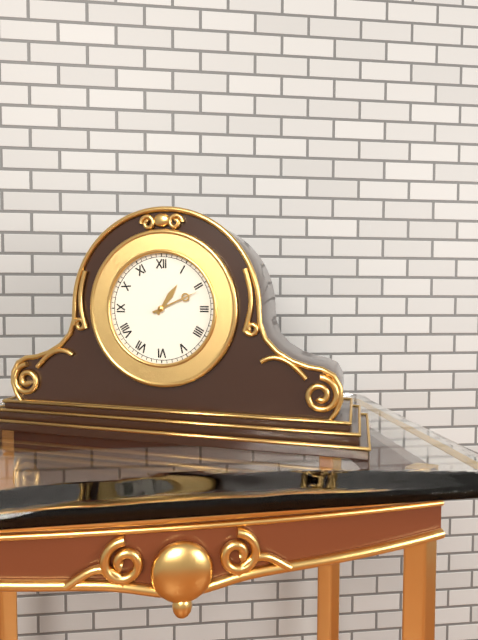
**1:11**
